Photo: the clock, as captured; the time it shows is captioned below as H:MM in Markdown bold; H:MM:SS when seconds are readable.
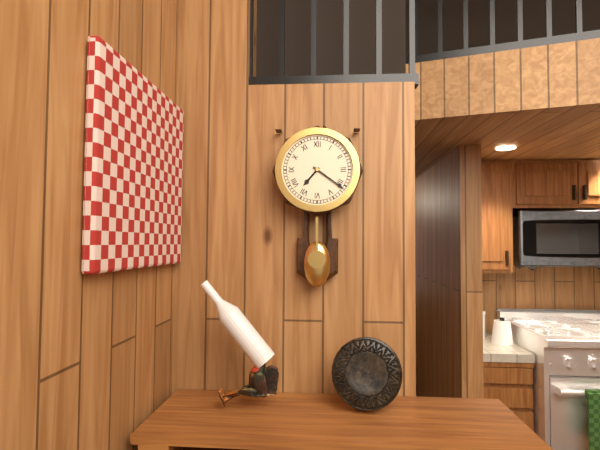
**7:21**
